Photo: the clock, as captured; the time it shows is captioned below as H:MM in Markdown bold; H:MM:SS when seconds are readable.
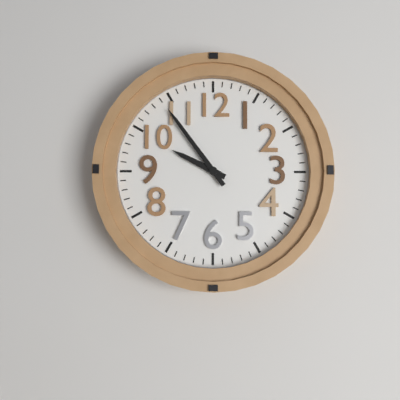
**9:54**
